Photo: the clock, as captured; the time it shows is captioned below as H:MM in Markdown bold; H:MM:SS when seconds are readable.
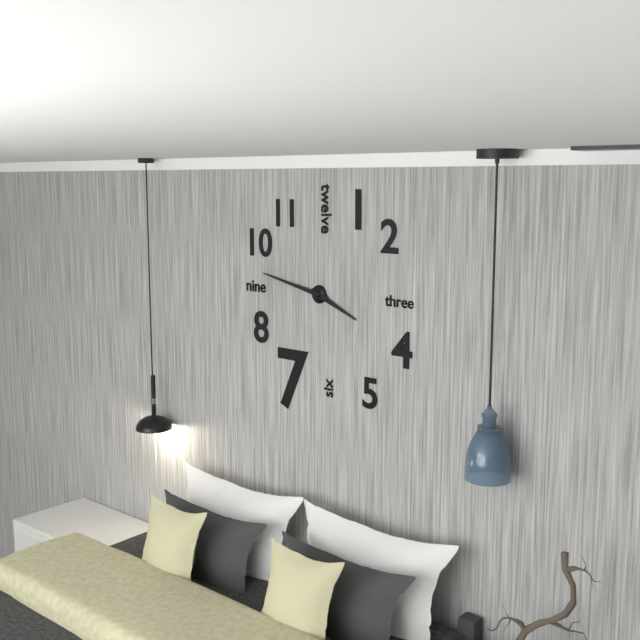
**3:47**
